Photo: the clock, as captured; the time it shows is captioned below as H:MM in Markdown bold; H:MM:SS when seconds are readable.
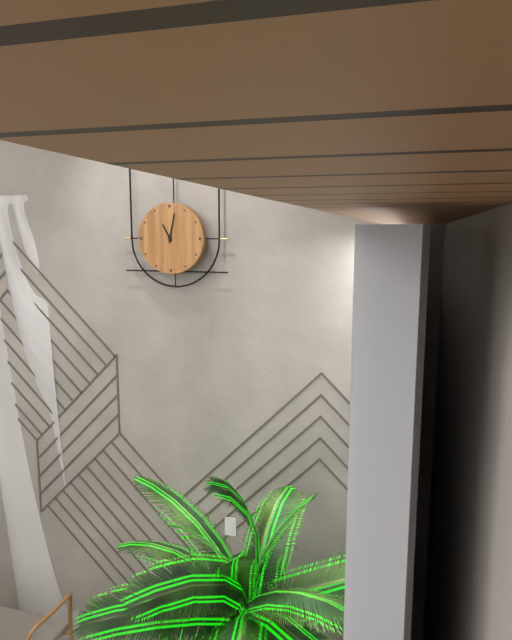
**11:02**
